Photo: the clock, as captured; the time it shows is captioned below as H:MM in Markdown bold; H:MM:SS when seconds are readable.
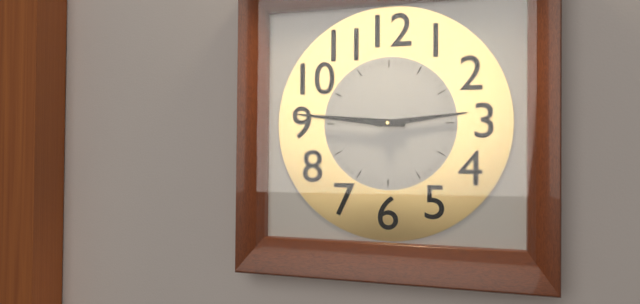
**2:46**
